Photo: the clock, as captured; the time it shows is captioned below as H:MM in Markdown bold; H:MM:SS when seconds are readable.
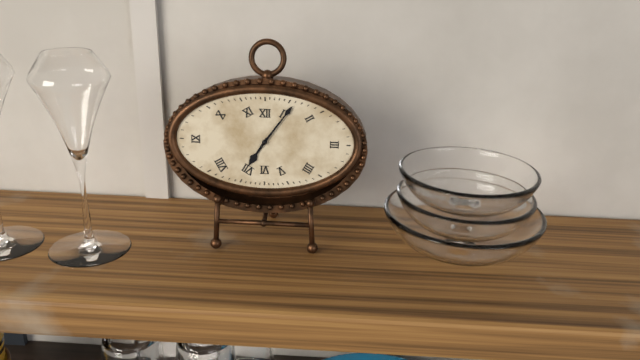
**7:06**
